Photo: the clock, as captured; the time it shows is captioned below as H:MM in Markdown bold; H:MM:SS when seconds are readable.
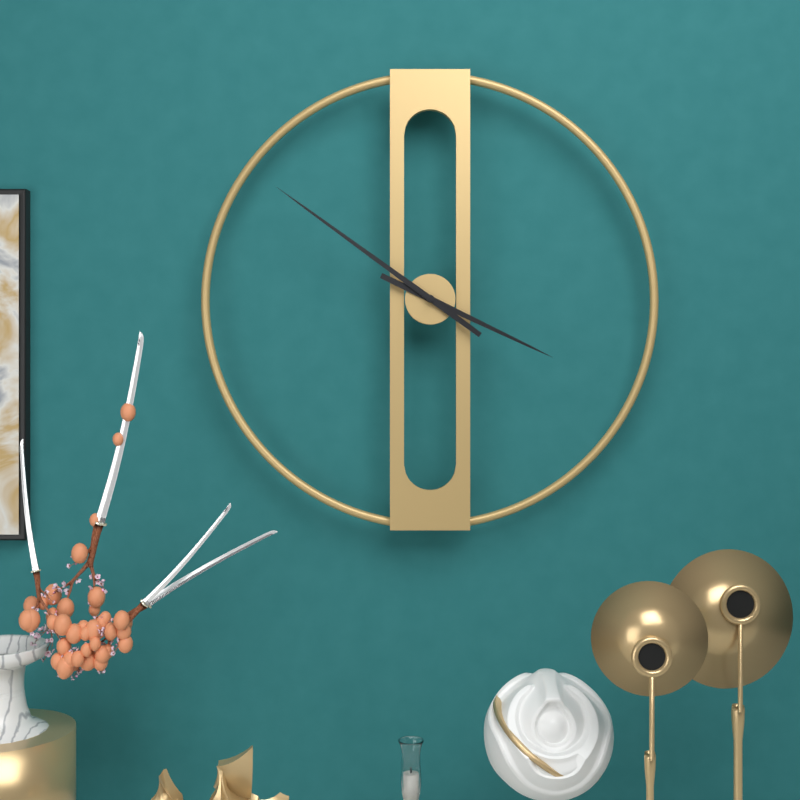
**3:51**
